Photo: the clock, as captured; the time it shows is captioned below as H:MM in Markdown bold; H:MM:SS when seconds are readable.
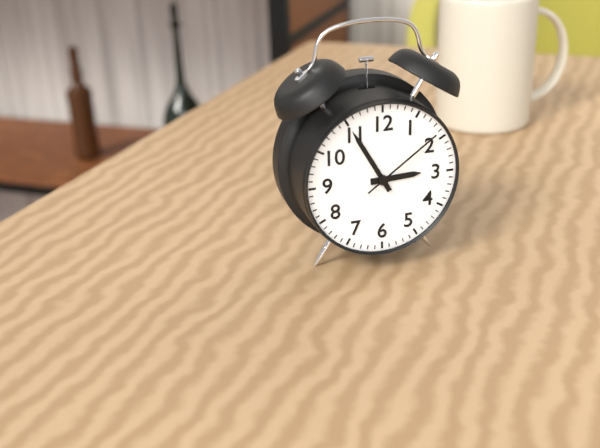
**2:55:09**
